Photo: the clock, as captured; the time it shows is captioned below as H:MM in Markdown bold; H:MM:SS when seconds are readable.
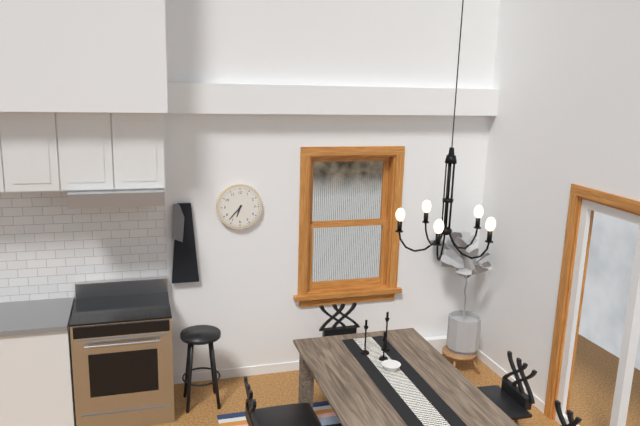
**6:37**
